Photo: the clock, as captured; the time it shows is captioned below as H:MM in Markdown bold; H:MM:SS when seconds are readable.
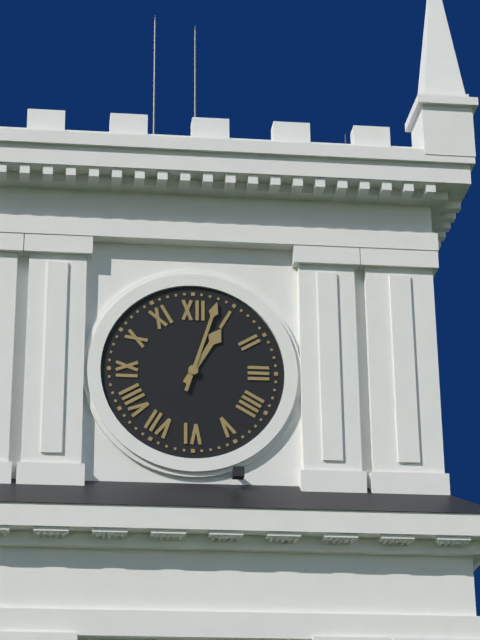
**1:03**
